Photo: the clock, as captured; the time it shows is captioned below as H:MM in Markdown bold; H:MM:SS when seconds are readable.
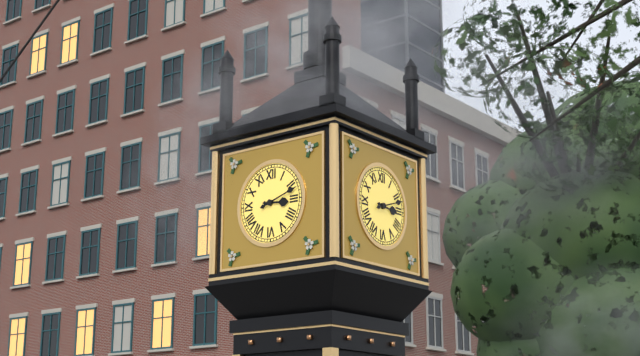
**3:12**
